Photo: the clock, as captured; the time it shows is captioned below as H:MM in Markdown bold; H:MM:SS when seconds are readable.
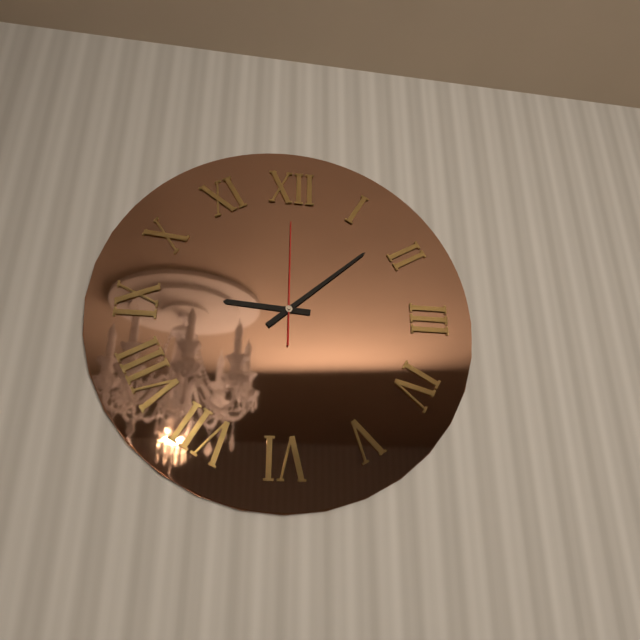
**9:08:00**
